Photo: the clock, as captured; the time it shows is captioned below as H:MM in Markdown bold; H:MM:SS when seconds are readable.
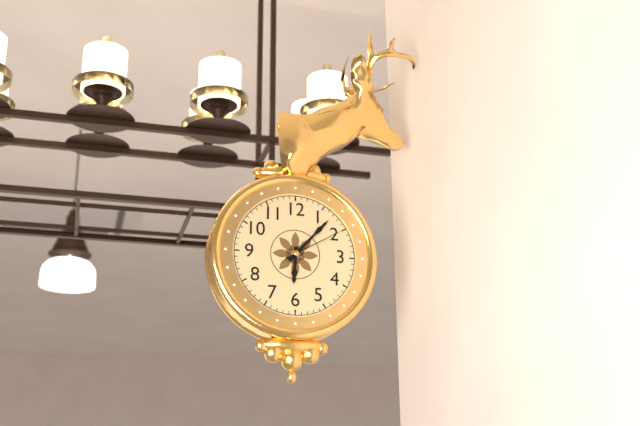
**6:07:10**
